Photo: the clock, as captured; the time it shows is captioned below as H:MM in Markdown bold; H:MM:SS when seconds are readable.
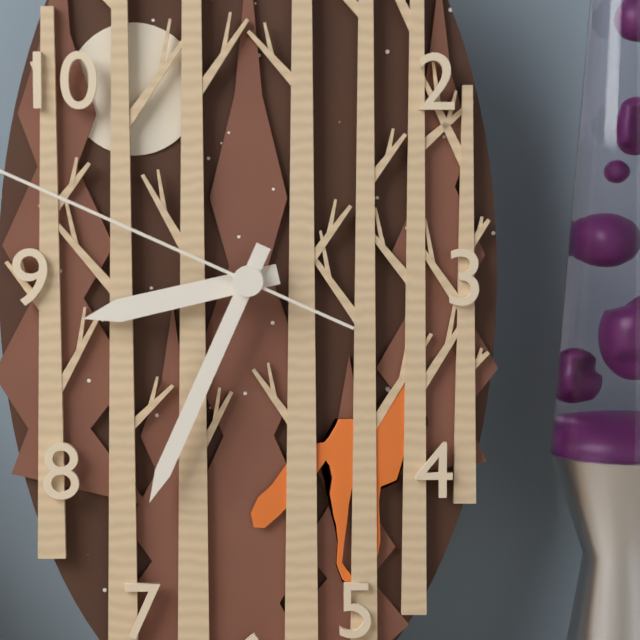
**8:34**
